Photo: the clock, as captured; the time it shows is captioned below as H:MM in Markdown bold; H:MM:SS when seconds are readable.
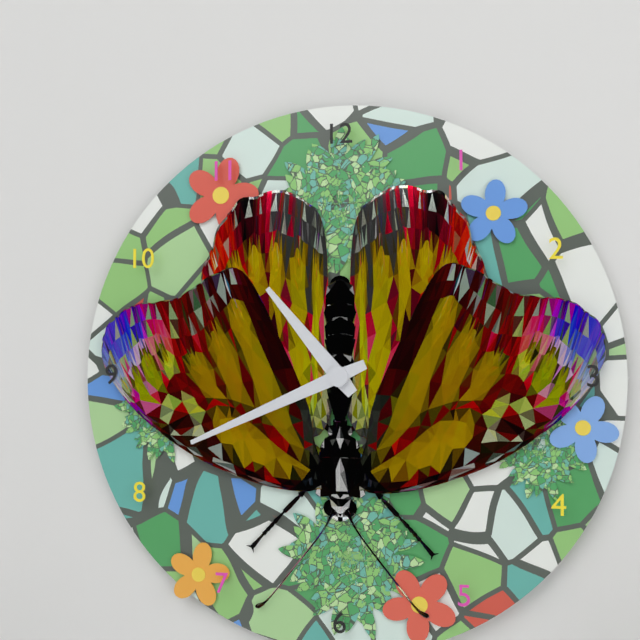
**10:41**
